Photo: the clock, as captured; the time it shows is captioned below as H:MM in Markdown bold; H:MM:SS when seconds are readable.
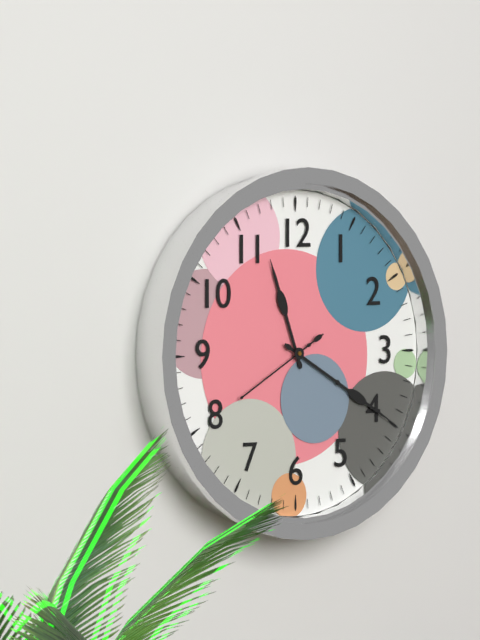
**11:20:40**
